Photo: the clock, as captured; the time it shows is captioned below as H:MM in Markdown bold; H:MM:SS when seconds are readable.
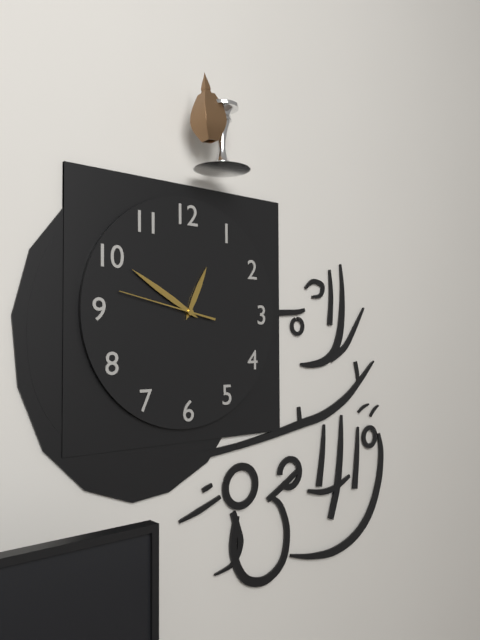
**12:50:47**
